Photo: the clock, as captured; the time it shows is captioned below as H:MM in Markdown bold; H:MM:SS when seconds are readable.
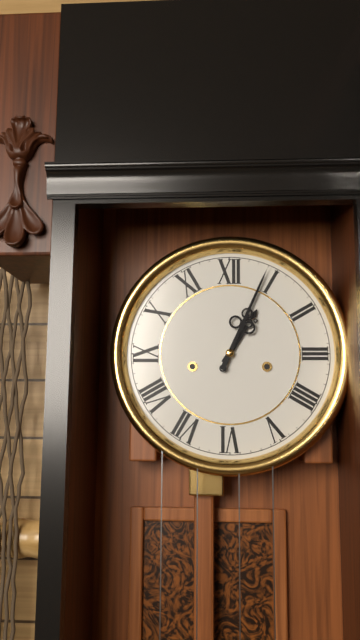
**1:04**
